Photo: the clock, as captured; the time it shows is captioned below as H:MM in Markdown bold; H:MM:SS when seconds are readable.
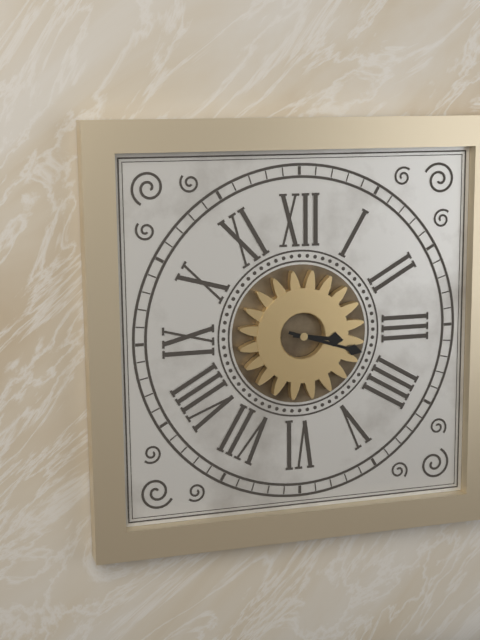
**3:18**
